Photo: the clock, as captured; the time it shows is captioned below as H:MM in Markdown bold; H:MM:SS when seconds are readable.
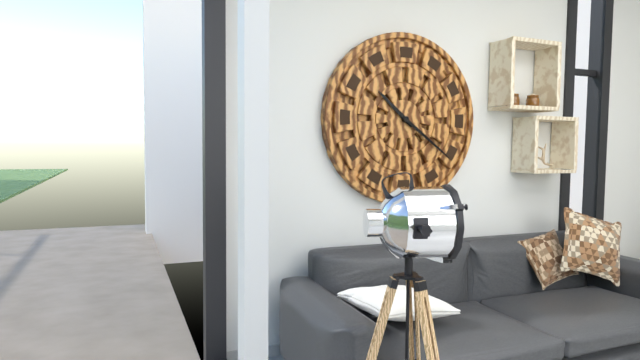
**10:21**
